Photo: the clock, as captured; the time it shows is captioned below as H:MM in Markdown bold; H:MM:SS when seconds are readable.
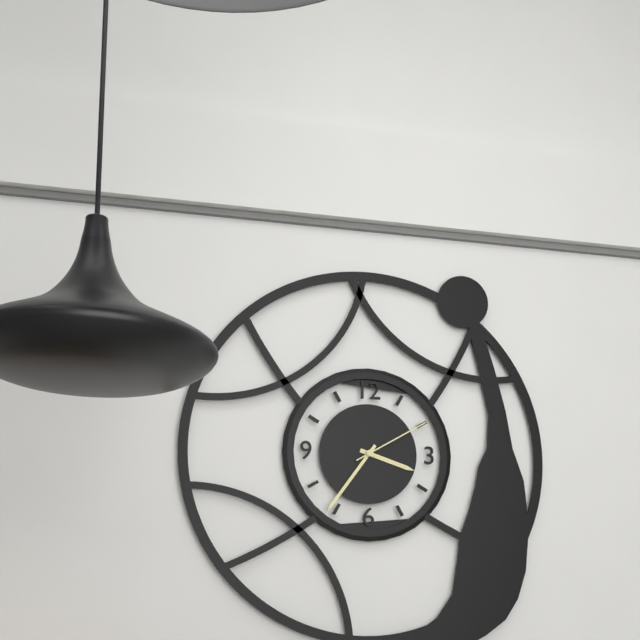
**3:36:10**
